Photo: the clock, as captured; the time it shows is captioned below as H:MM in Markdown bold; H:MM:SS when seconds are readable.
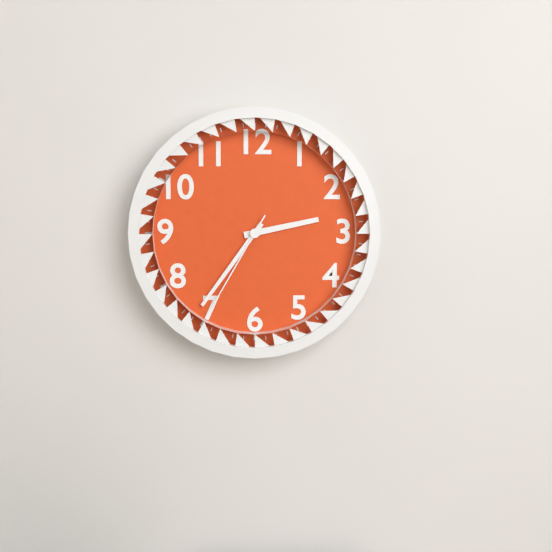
**2:36:35**
